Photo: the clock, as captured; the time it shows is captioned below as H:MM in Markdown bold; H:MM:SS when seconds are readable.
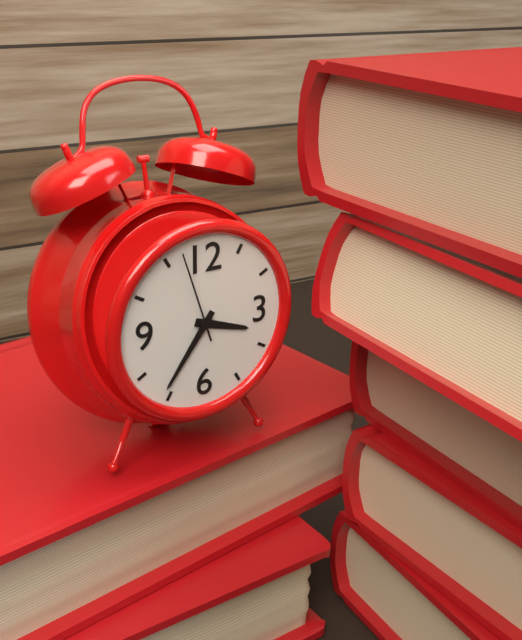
**3:36:57**
